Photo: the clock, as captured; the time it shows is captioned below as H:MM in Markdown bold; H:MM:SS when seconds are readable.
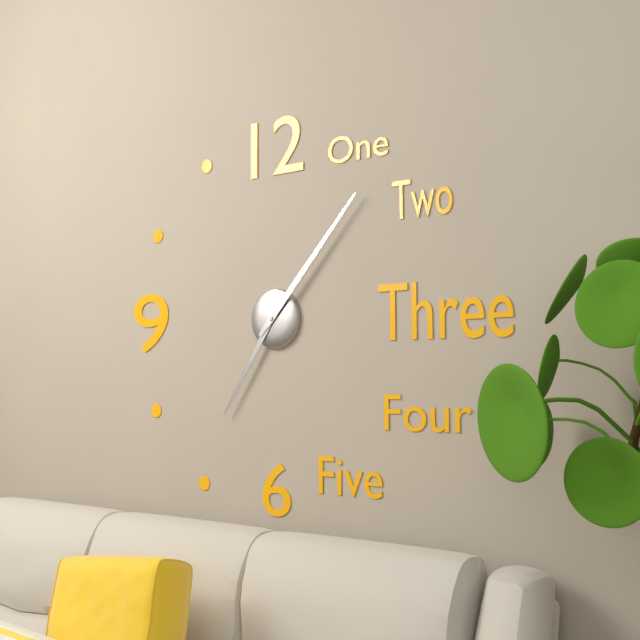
**7:07**
